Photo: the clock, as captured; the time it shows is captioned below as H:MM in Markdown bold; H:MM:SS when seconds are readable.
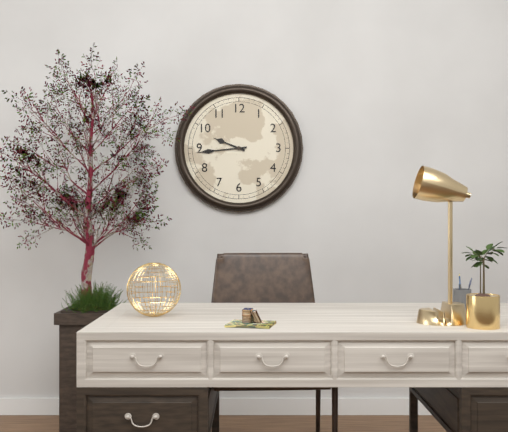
**9:44**
